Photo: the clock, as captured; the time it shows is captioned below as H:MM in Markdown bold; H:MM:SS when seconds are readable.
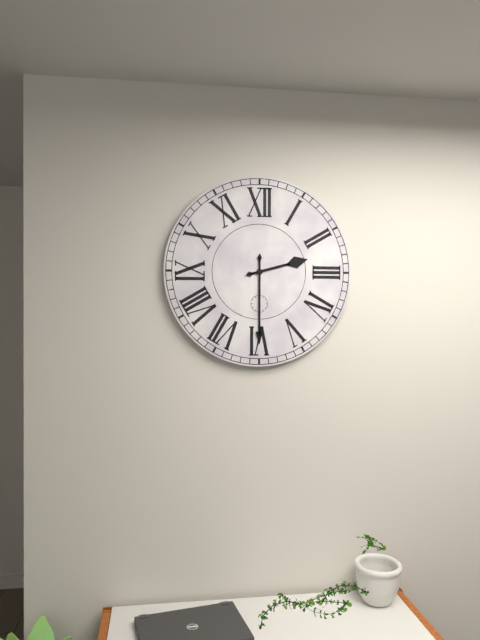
**2:30**
